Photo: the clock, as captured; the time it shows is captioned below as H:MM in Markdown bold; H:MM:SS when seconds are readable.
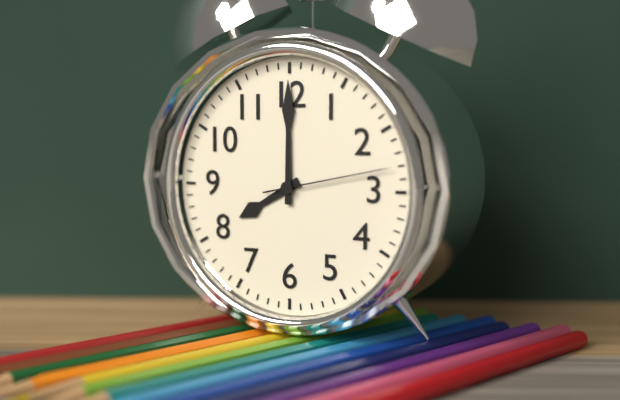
**8:00:13**
